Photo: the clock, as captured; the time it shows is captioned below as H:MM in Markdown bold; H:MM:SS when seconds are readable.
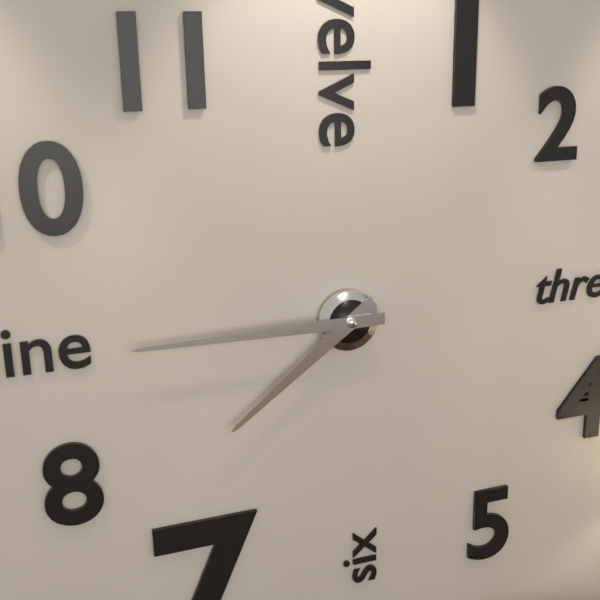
**7:45**
